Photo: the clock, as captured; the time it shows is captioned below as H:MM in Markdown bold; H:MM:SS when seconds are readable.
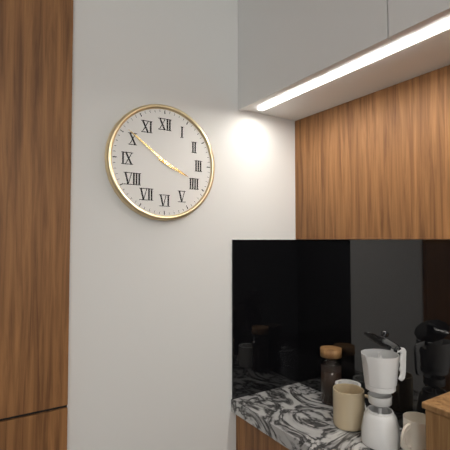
**3:51**
